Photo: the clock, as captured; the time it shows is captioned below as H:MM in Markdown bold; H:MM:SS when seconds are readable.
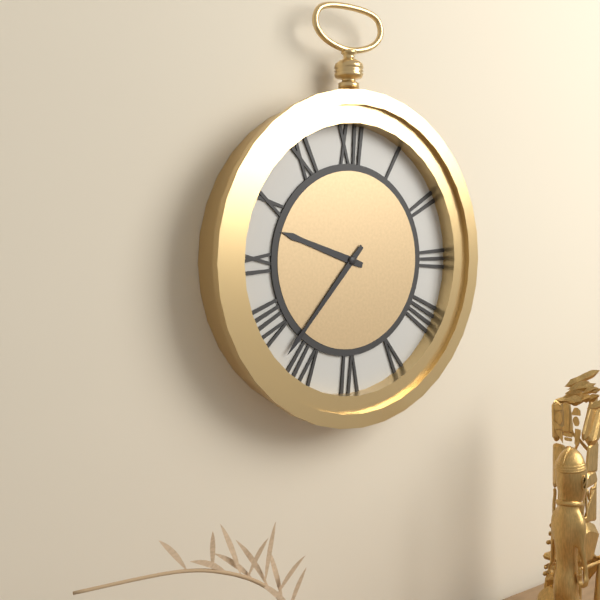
**9:37**
